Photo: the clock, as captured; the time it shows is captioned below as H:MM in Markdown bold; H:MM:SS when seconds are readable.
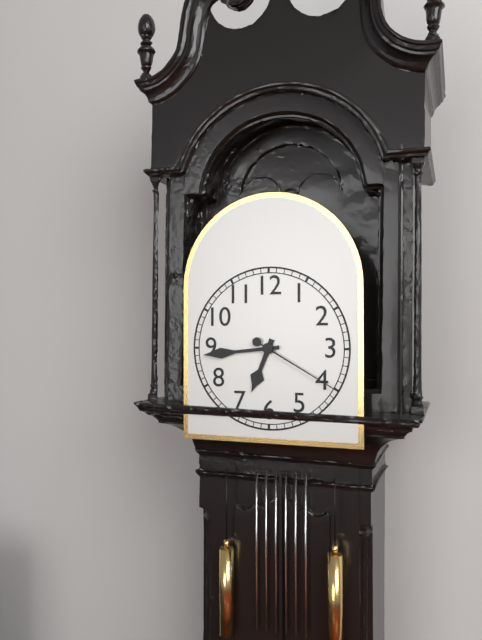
**6:44:20**
